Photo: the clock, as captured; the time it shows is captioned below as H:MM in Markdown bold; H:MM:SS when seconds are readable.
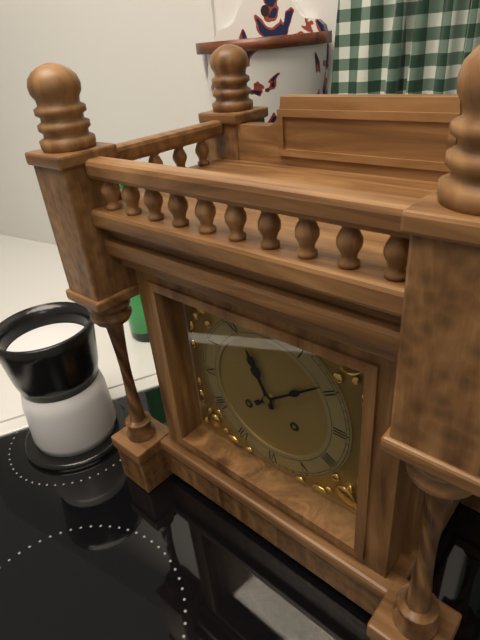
**11:09**
